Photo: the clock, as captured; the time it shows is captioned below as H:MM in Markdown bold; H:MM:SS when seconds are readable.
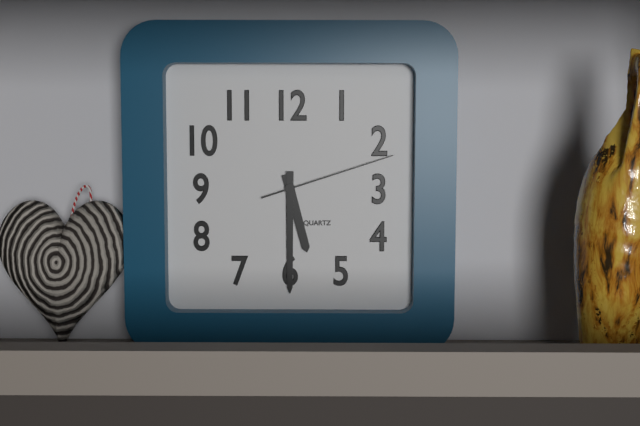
**5:30:12**
